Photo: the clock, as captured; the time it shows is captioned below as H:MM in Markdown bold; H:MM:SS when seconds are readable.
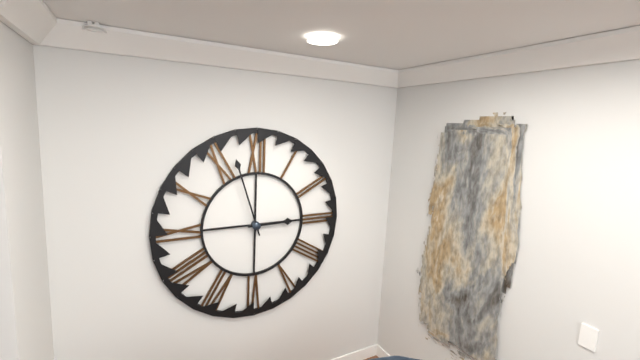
**2:57**
